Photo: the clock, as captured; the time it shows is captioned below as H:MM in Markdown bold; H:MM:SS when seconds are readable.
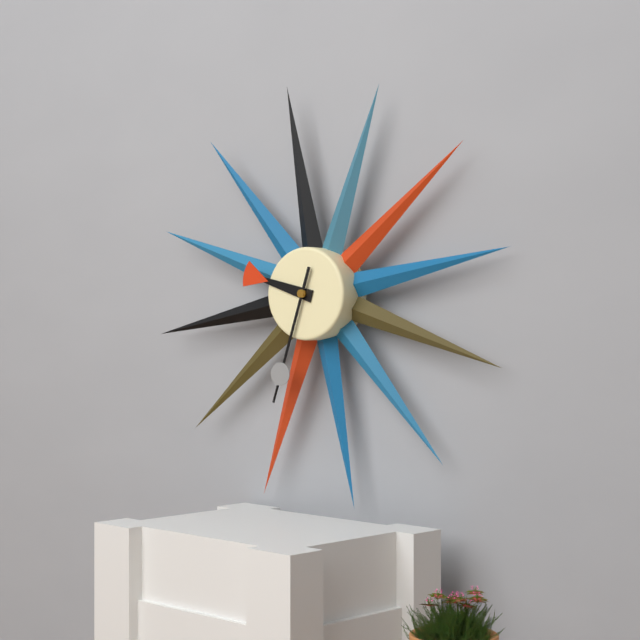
**9:33**
